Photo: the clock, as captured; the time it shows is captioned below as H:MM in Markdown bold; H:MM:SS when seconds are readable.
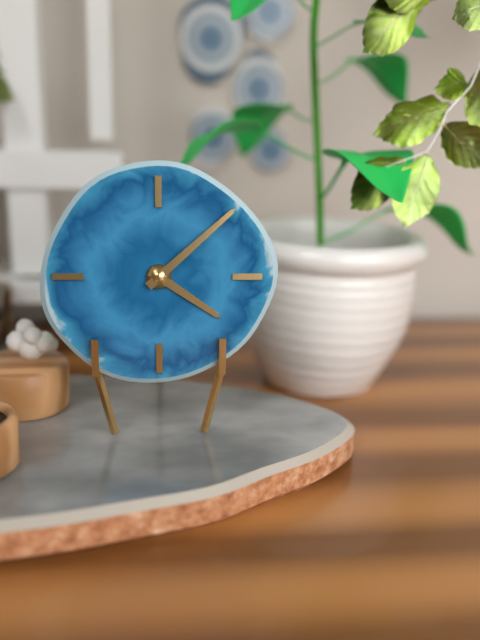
**4:08**
